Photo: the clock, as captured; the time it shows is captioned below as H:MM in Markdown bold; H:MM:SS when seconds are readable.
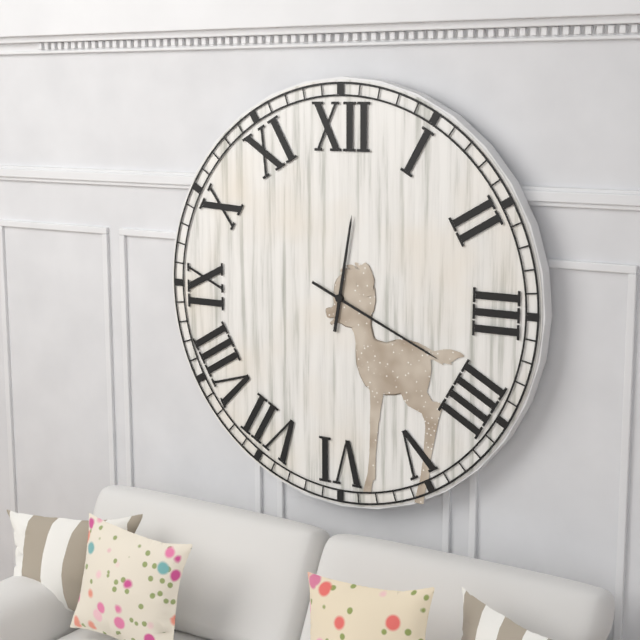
**12:19**
